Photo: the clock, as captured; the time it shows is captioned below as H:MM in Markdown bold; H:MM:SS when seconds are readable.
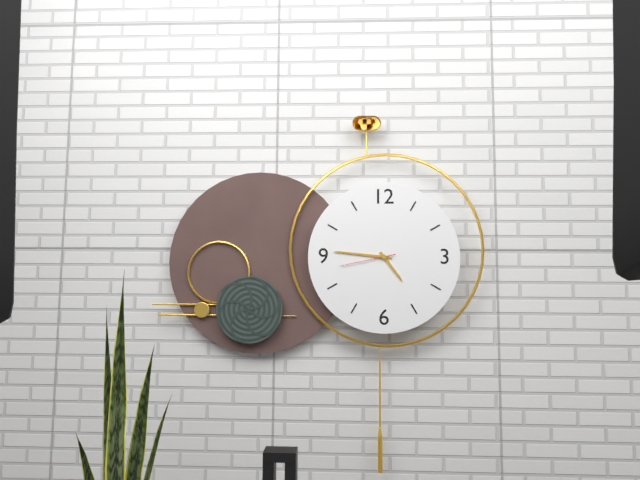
**4:46:43**
